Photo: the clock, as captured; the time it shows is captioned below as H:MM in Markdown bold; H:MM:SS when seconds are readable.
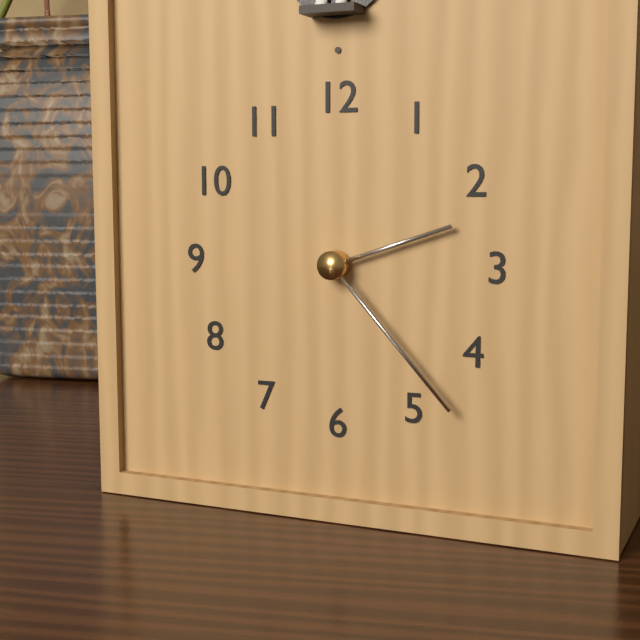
**2:23**
